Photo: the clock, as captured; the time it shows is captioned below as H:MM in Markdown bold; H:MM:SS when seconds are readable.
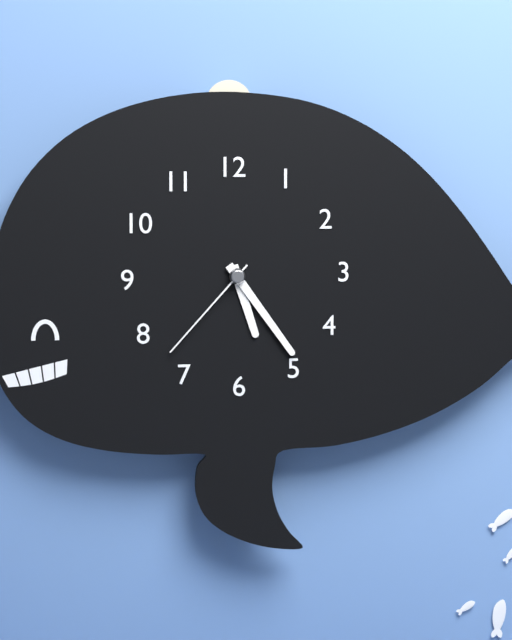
**5:24:37**
